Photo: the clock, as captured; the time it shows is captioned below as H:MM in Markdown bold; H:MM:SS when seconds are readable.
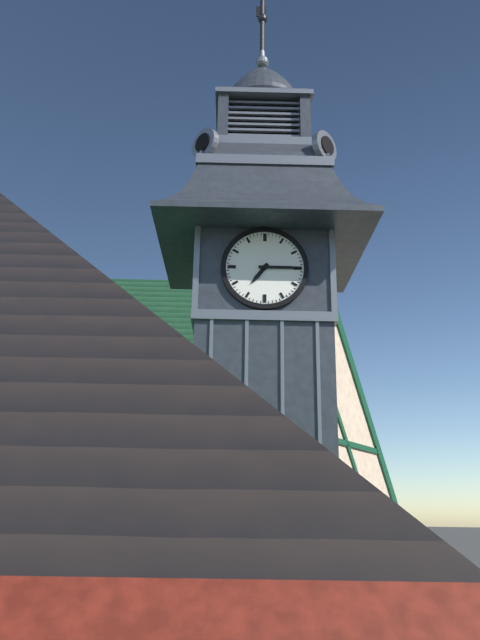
**7:15**
